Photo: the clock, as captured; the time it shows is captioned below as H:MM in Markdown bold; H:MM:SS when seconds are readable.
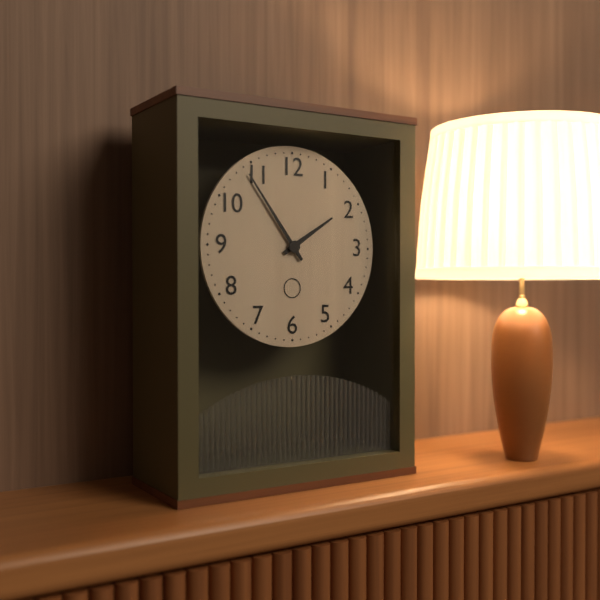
**1:54**
